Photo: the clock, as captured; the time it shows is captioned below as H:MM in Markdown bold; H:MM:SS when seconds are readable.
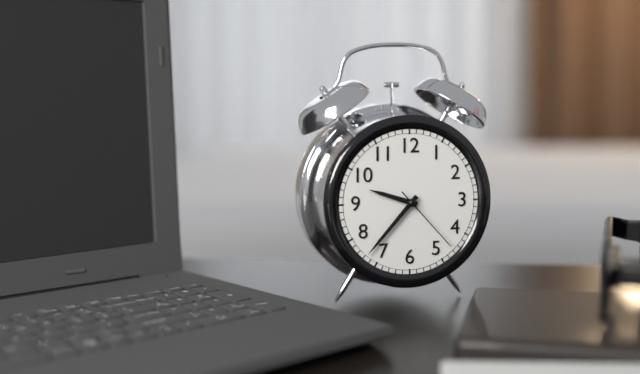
**9:37:23**
